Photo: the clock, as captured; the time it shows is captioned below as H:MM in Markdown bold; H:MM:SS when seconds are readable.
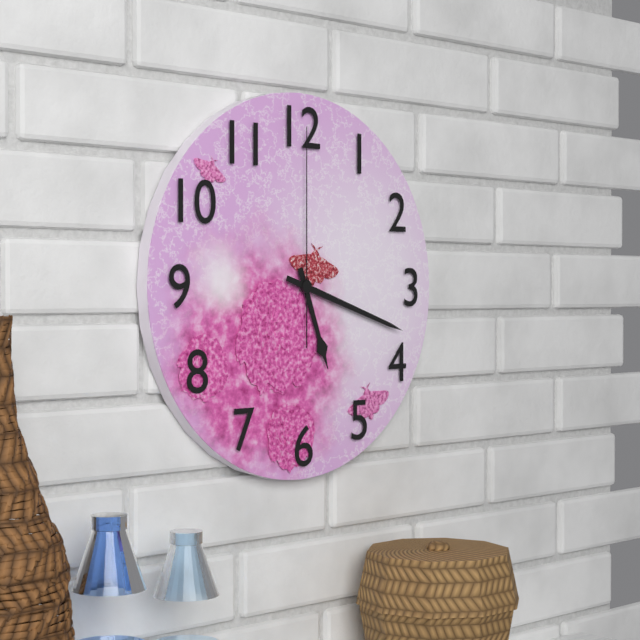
**5:18:00**
